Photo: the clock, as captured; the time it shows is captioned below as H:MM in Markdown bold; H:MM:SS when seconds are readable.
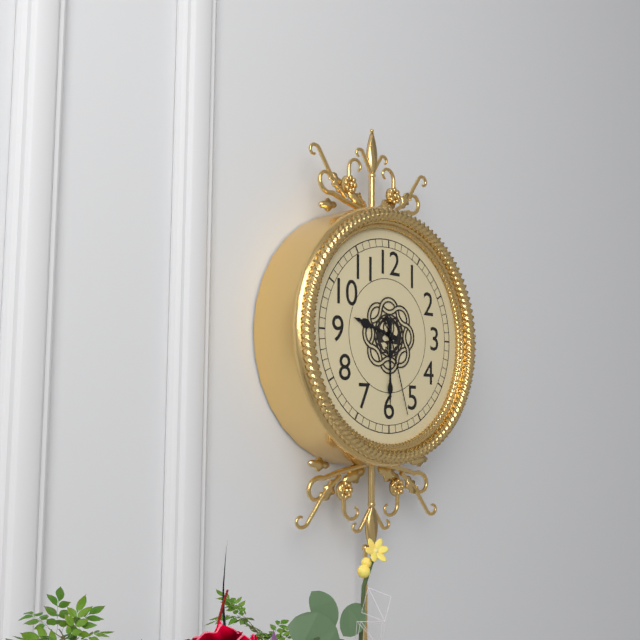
**9:30:27**
